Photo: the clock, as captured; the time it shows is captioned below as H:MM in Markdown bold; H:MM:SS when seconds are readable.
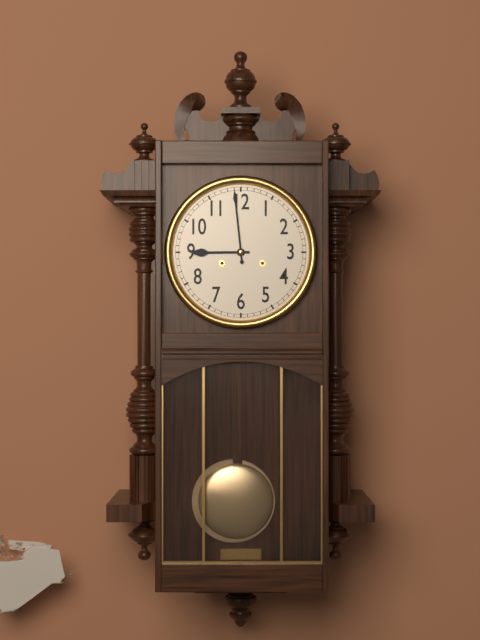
**8:59**
